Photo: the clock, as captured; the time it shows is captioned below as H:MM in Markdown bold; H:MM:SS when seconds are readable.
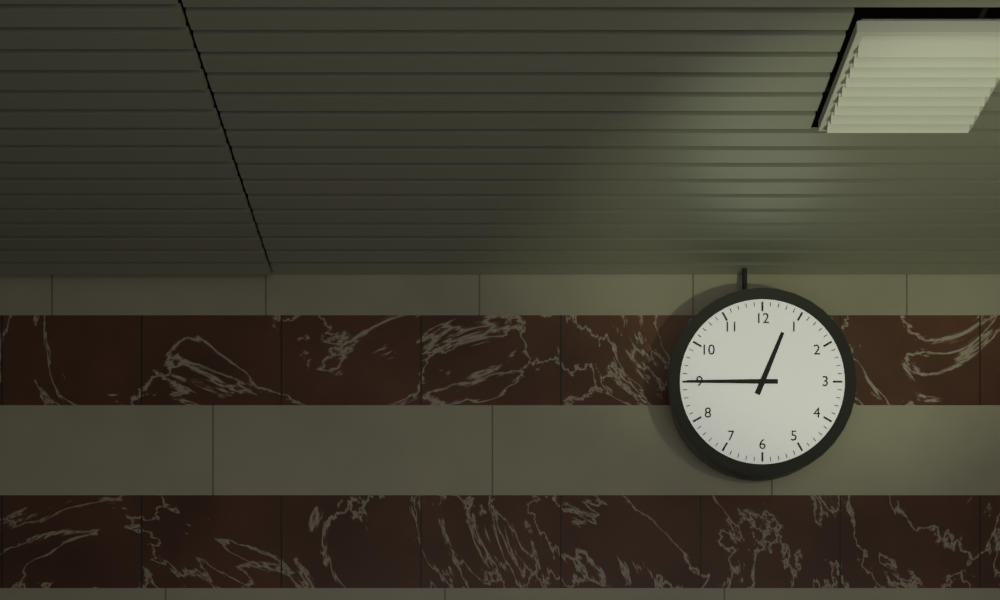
**12:45**
